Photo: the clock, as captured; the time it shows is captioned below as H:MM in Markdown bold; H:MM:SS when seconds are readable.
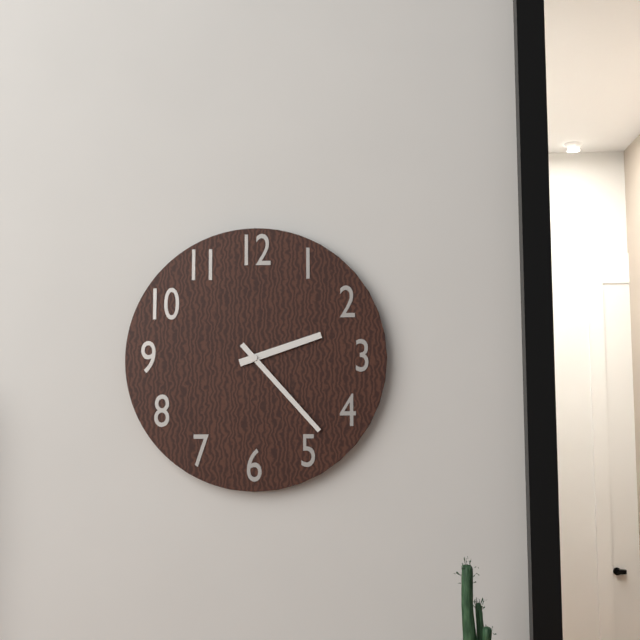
**2:23**
